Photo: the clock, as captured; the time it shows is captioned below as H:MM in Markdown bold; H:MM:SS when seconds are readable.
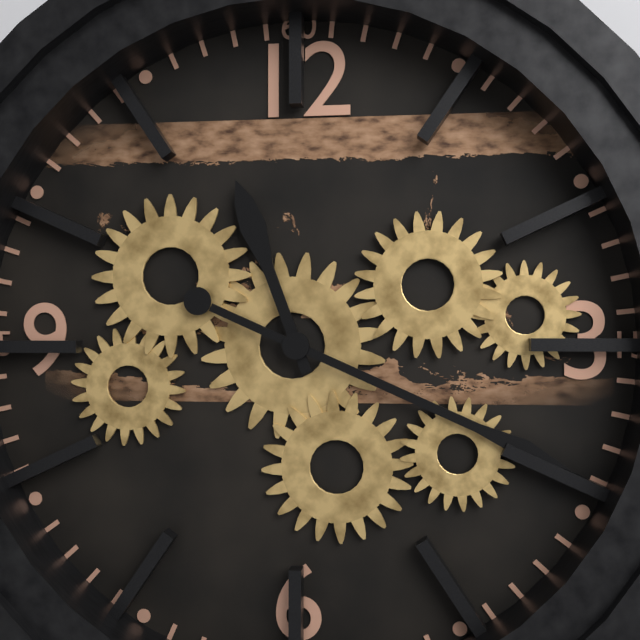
**11:19**
